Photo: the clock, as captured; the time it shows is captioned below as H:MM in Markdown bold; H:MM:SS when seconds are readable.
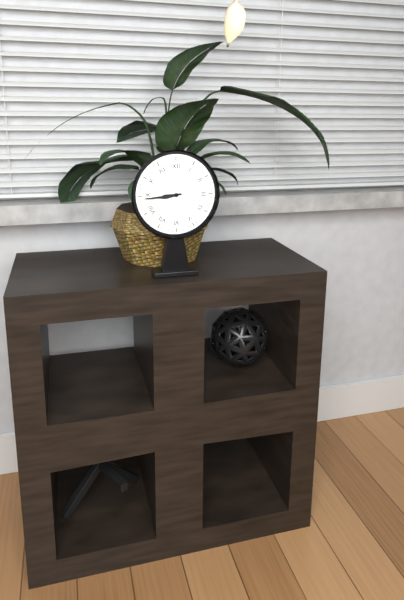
**8:44**
